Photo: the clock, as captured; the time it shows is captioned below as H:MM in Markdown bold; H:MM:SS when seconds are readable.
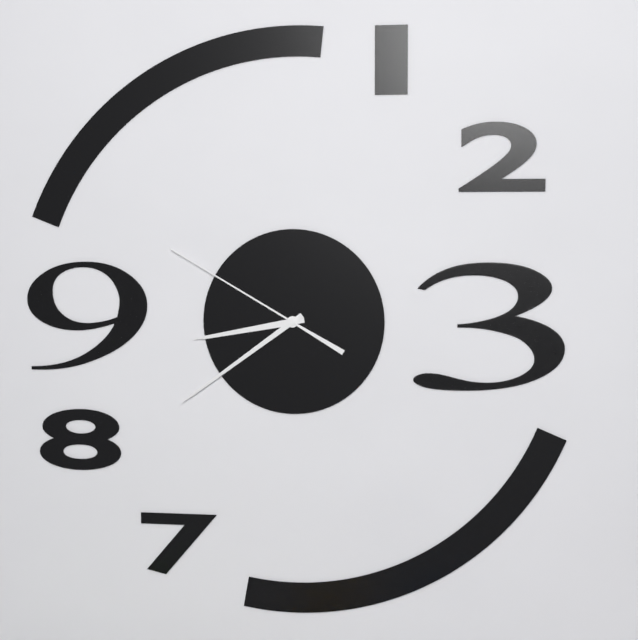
**8:39:50**
